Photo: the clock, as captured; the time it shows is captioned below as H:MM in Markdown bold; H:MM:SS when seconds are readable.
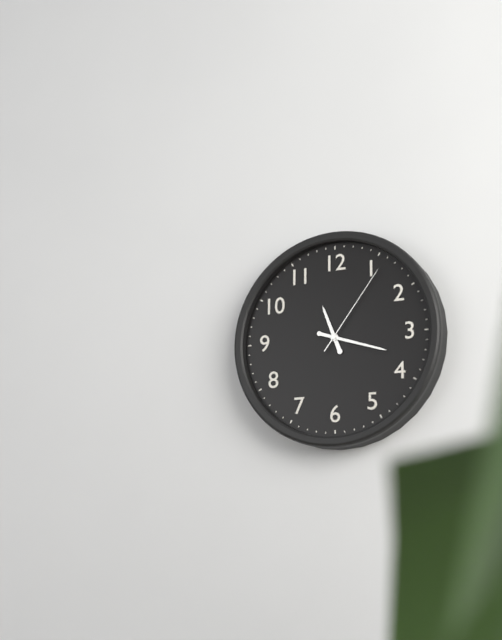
**11:18:06**
